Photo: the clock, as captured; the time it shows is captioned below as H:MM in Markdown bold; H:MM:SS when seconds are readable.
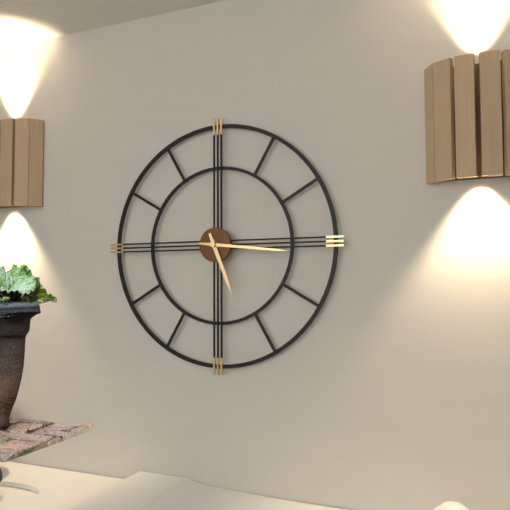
**5:16**
